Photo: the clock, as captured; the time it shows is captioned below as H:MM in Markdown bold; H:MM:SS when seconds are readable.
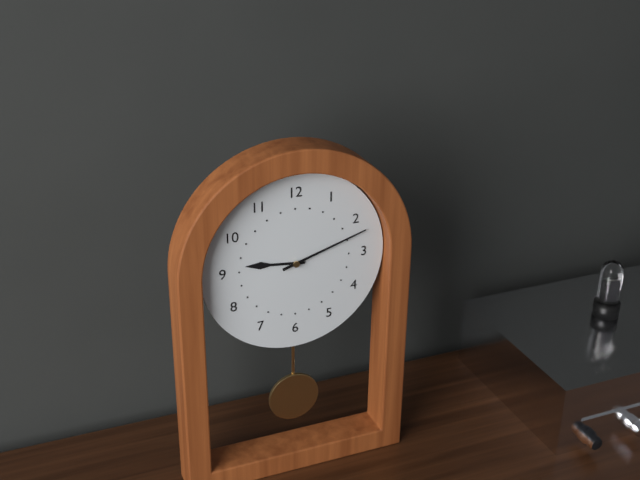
**9:12**
